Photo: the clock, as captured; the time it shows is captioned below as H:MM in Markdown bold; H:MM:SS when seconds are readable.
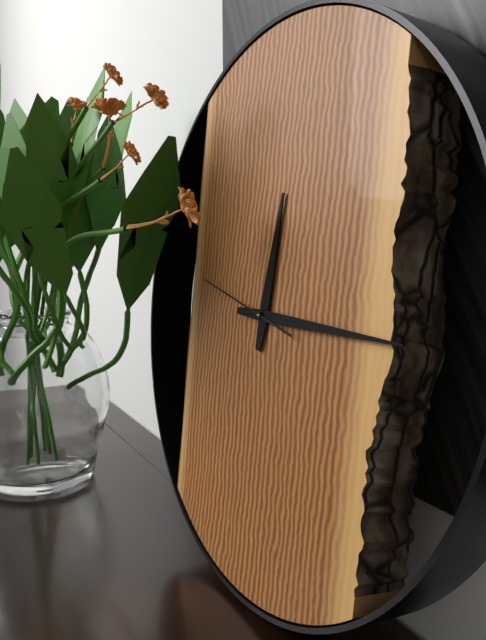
**12:15:47**
